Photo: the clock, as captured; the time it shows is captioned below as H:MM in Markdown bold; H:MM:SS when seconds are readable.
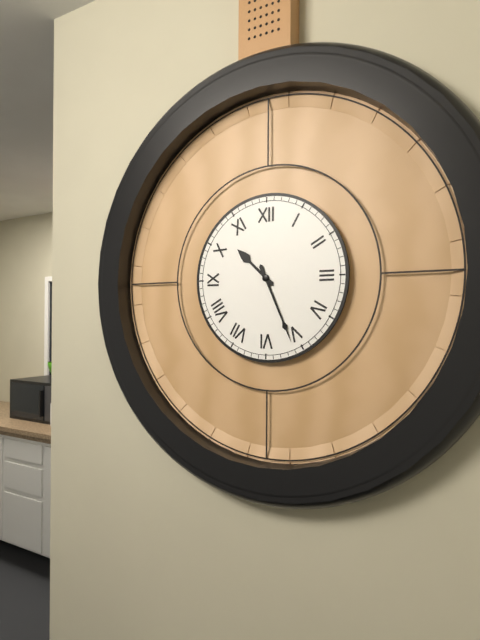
**10:26**
